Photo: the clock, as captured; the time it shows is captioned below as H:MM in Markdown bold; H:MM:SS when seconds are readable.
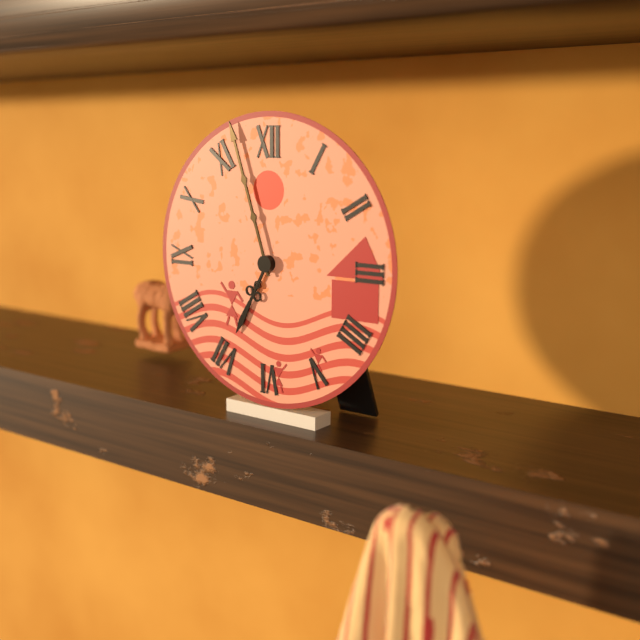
**6:57**
